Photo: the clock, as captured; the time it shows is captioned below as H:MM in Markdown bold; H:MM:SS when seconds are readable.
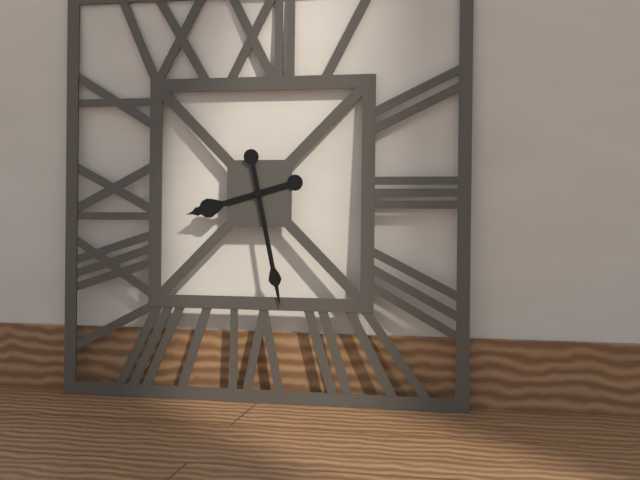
**8:28**
